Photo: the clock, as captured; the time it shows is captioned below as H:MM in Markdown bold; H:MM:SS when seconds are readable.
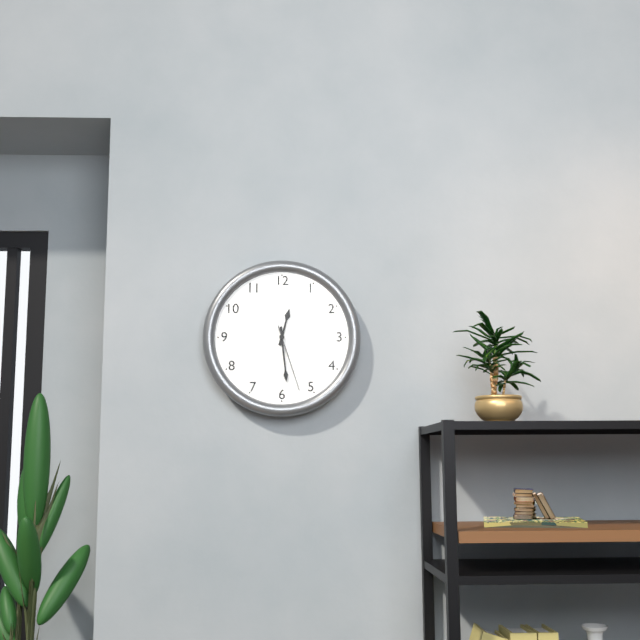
**12:29:27**
